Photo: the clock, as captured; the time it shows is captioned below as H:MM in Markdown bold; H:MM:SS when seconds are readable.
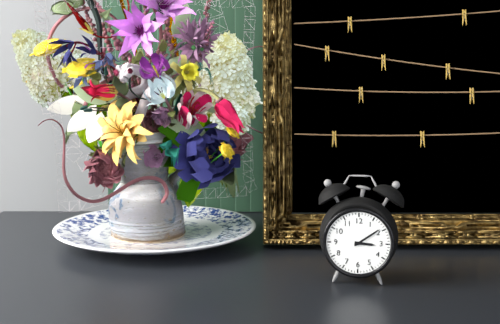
**3:09**
